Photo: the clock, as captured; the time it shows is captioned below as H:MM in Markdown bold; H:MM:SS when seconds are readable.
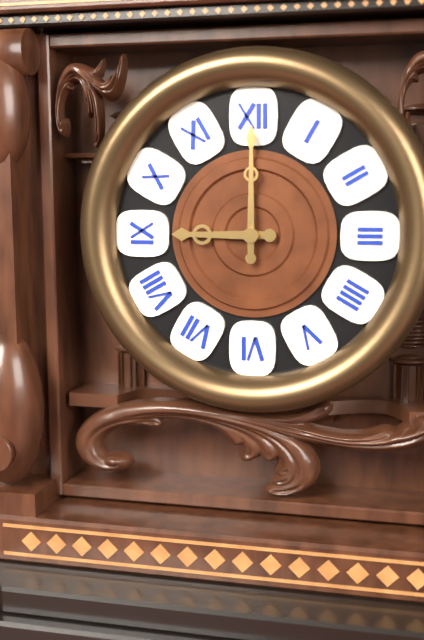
**9:00**
